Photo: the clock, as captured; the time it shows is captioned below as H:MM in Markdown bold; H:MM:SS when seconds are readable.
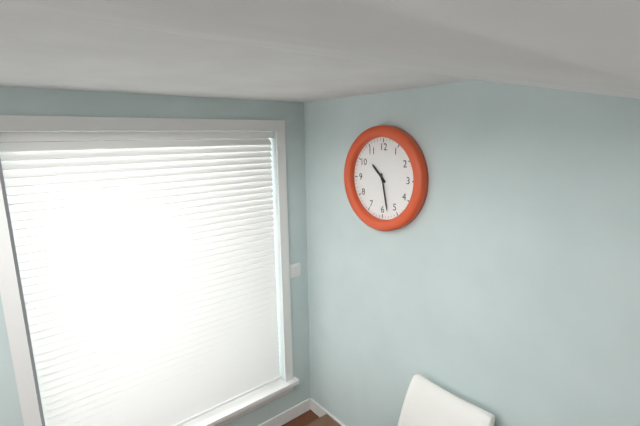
**10:28**
